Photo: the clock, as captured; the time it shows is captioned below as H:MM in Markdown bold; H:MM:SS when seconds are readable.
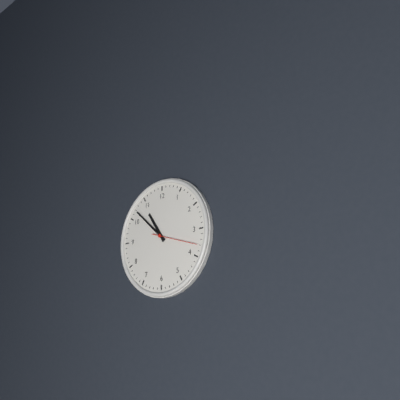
**10:52**
